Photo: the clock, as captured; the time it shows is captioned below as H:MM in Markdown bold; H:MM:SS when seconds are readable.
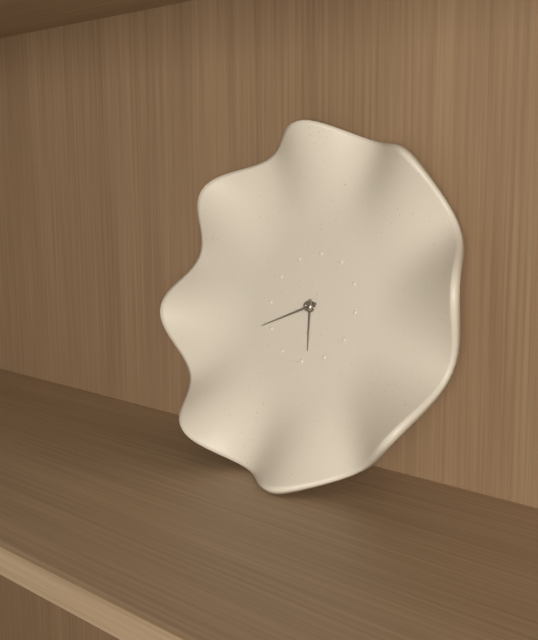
**5:41**
